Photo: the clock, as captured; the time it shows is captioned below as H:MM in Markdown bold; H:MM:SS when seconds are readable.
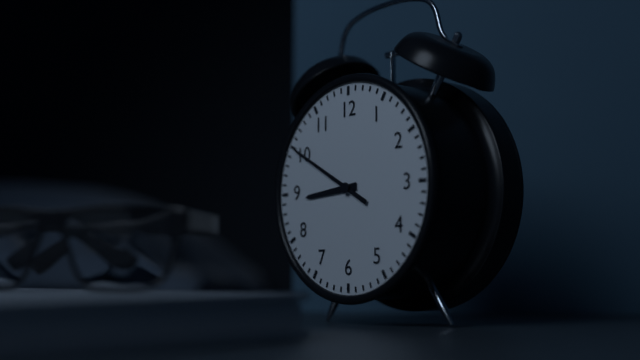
**8:50**
